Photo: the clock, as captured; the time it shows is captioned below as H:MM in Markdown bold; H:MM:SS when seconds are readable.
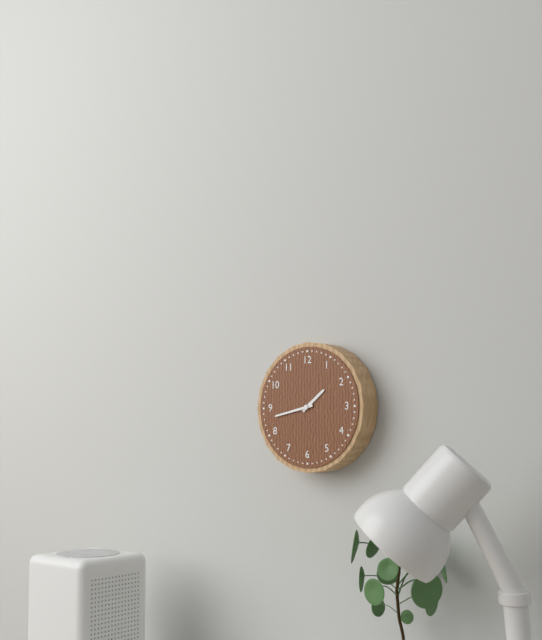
**1:43**
